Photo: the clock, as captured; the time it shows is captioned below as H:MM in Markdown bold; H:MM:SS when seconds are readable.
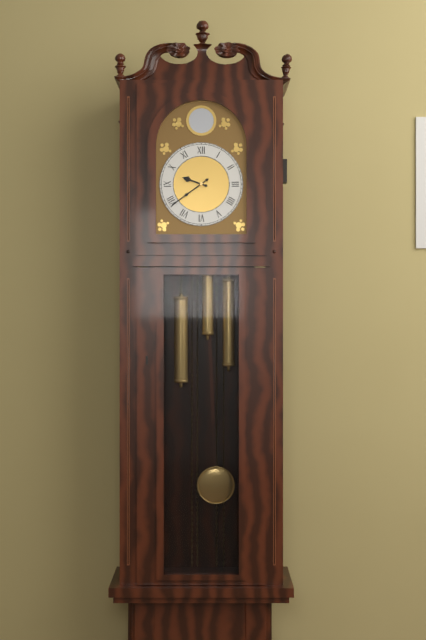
**9:39**
